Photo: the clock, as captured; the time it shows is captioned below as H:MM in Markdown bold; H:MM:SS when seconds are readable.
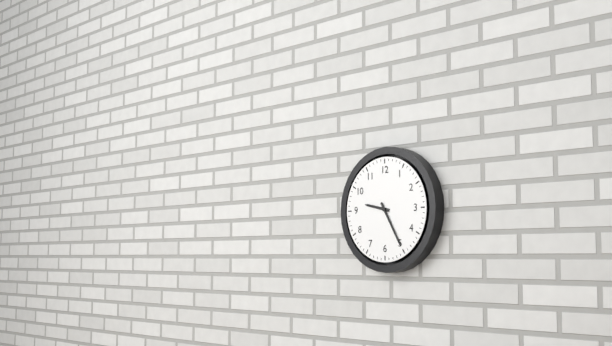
**9:25**
